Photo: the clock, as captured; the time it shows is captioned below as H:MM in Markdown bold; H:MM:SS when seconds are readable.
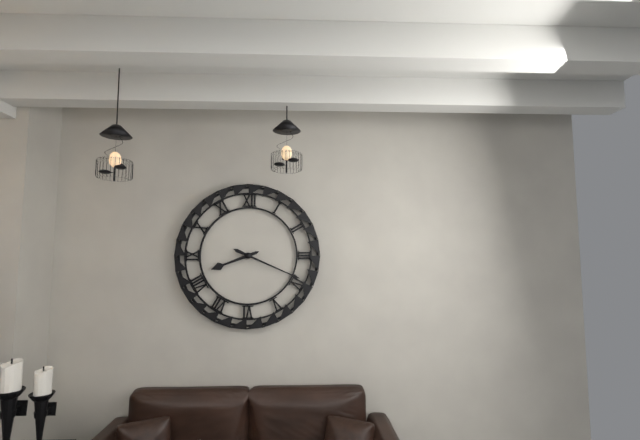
**8:19**
